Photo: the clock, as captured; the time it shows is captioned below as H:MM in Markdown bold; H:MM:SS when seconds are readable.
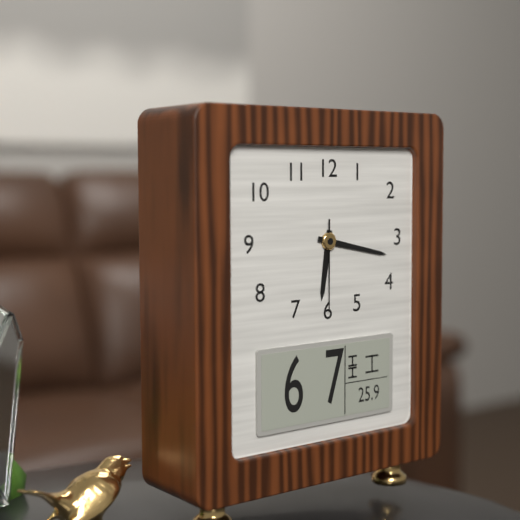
**6:17:30**
